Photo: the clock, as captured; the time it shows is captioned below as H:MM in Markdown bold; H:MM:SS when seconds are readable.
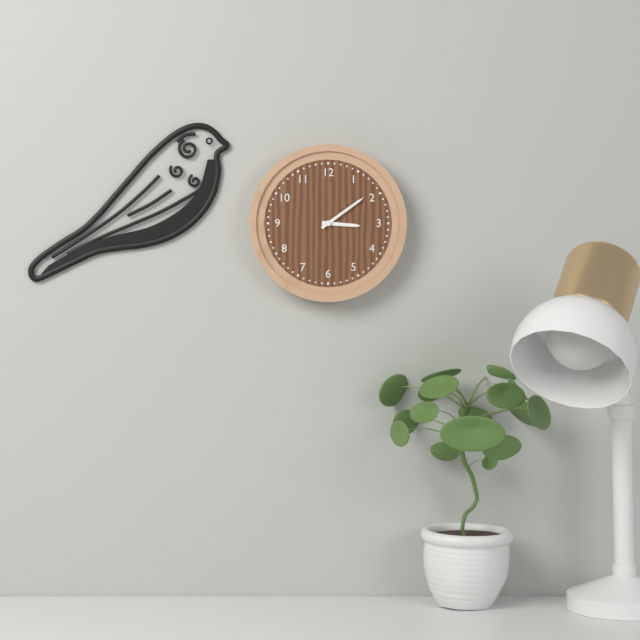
**3:09**
